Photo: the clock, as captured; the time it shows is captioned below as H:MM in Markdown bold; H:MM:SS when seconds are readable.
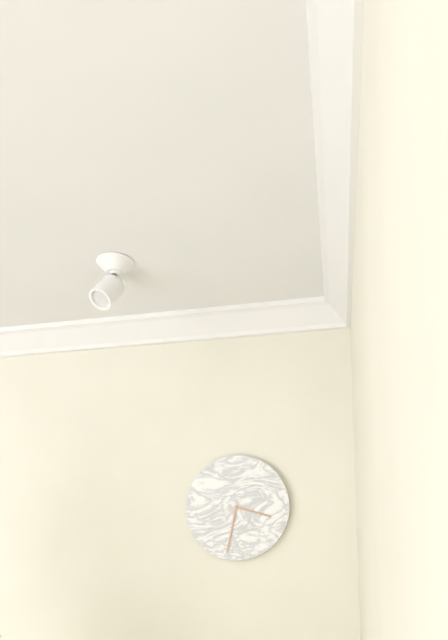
**3:32**
